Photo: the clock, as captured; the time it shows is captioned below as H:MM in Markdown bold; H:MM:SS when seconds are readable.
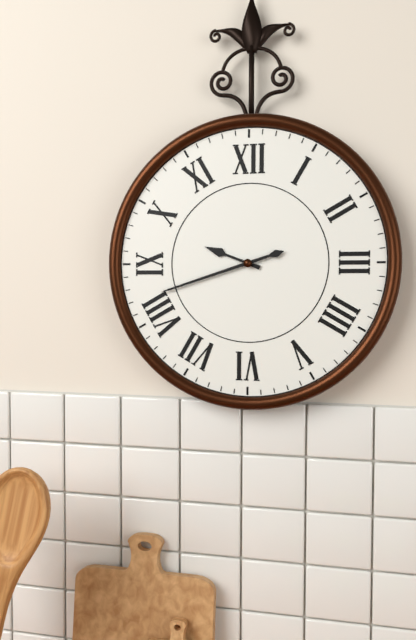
**9:42**
